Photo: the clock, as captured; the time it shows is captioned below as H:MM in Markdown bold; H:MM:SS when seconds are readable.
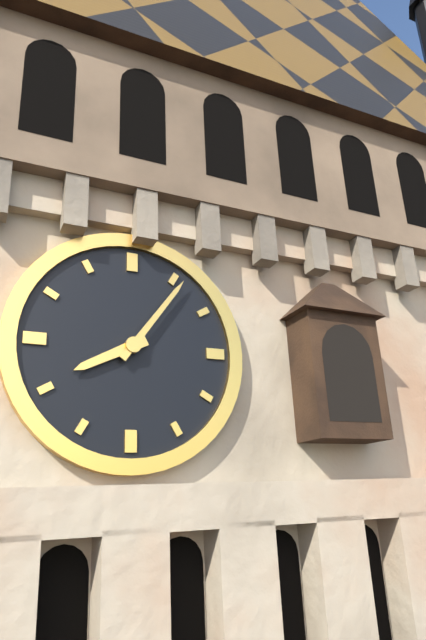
**8:06**
